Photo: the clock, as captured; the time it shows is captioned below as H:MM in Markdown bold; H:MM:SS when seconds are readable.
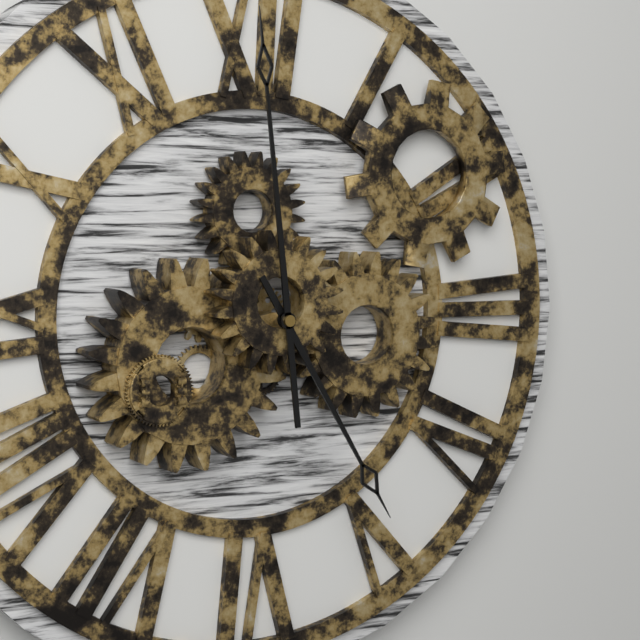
**4:59**
